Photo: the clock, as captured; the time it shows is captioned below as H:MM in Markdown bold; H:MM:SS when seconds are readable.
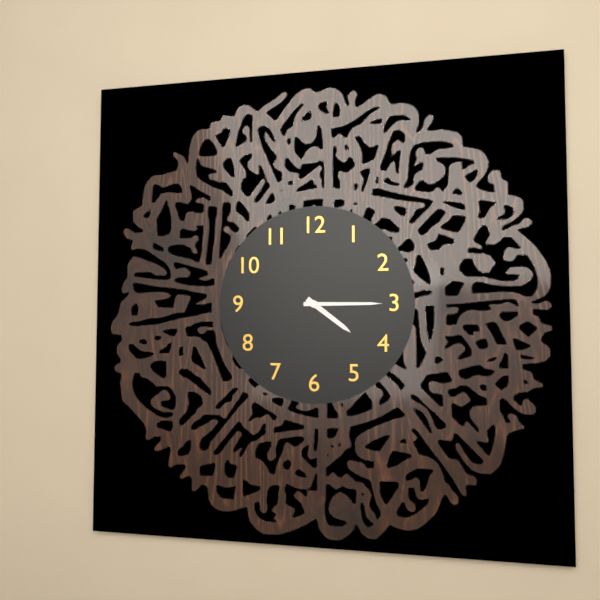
**4:15**
